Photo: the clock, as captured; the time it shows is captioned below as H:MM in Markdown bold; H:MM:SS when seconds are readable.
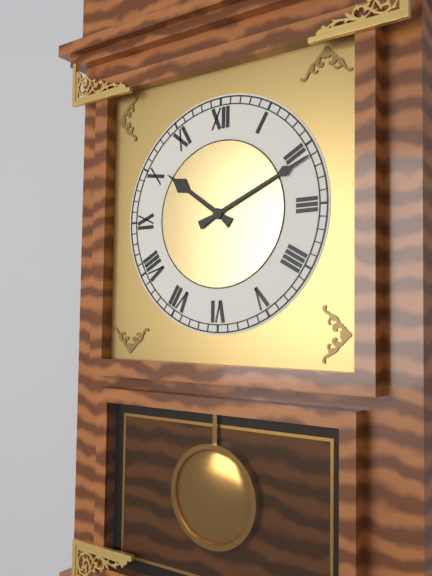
**10:11**
